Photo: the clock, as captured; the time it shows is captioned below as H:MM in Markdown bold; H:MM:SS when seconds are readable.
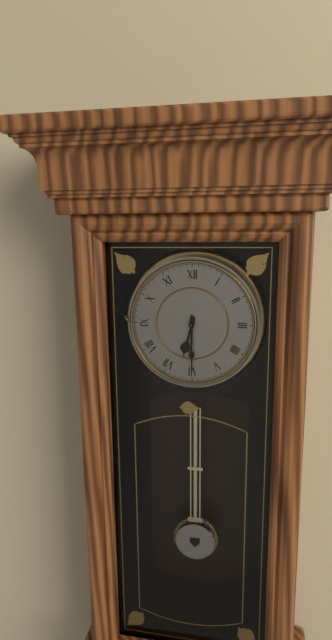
**6:30**
